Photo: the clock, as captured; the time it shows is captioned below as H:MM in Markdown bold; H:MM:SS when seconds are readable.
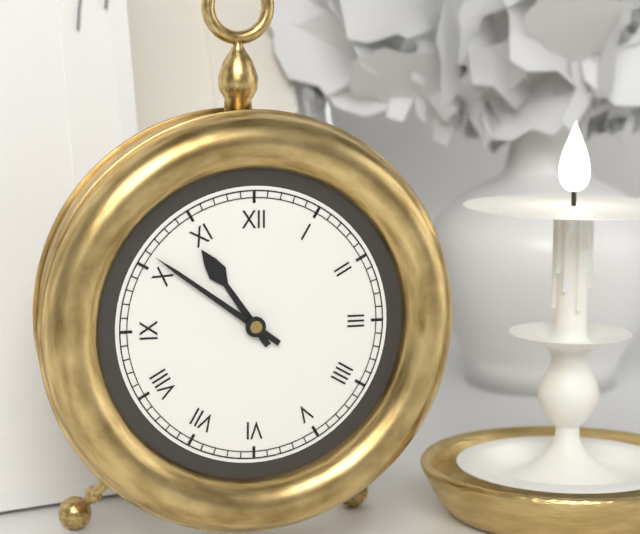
**10:51**
